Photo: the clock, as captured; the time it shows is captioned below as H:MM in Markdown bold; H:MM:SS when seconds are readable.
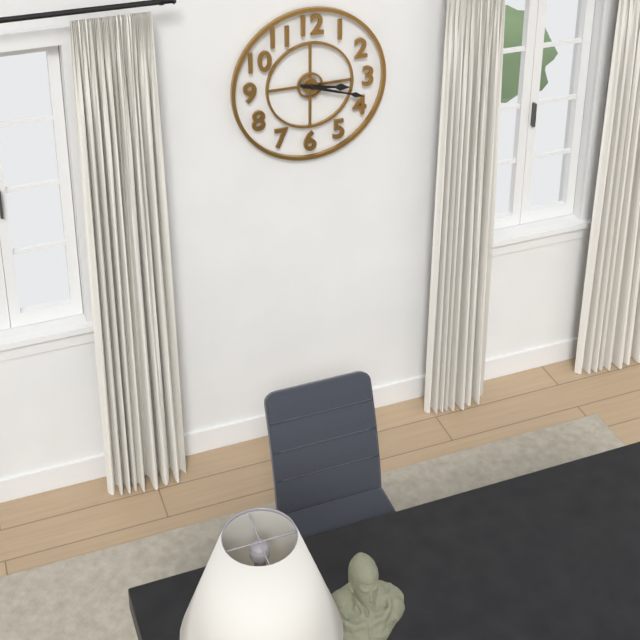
**3:18**
